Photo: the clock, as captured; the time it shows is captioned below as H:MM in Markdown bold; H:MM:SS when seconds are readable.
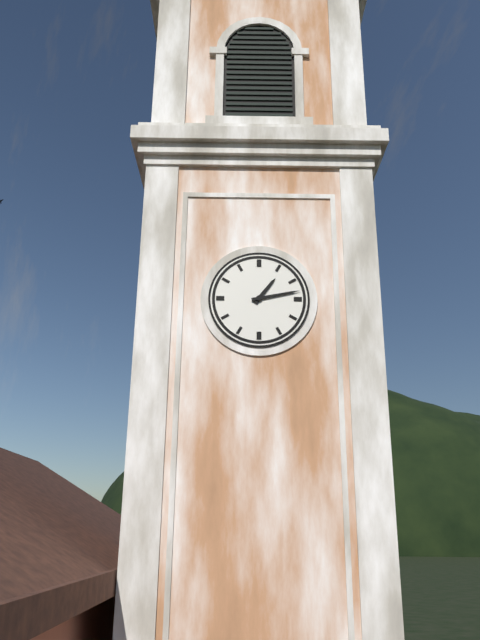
**1:13**
